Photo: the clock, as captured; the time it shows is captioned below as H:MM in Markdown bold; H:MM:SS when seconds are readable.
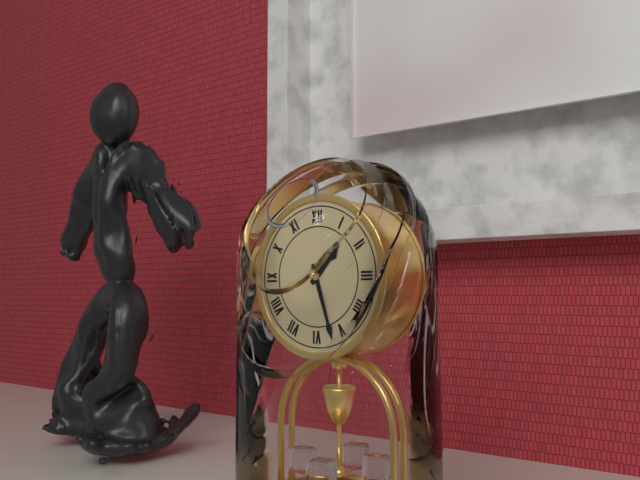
**1:27**
